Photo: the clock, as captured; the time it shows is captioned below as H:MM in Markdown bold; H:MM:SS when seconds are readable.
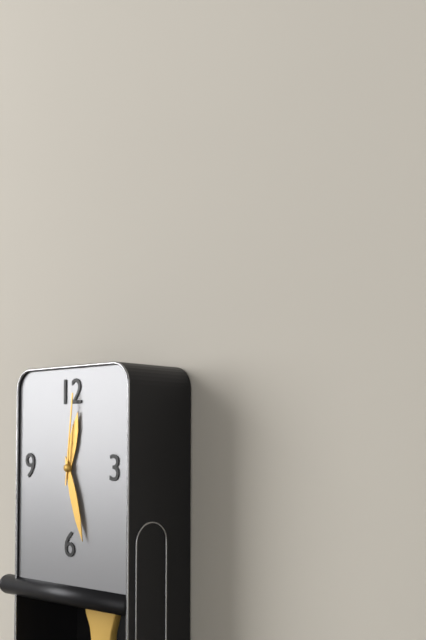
**12:27:01**
